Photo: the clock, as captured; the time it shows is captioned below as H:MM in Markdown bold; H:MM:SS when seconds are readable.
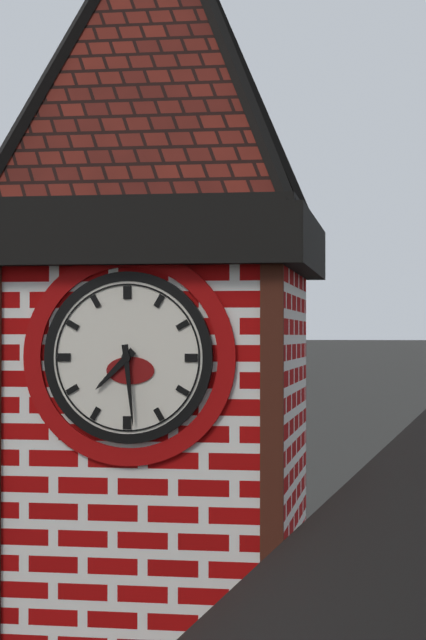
**7:29**
